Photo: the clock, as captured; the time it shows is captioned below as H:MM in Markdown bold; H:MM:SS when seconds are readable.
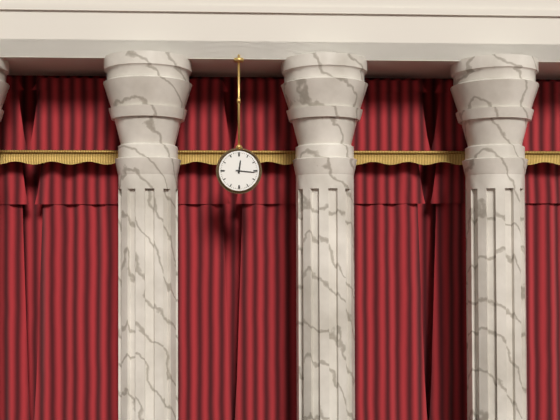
**12:16**
